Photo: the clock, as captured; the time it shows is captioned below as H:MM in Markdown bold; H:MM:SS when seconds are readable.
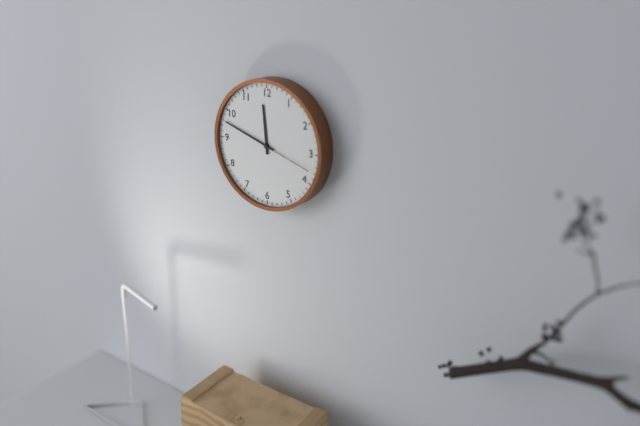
**11:48:18**
